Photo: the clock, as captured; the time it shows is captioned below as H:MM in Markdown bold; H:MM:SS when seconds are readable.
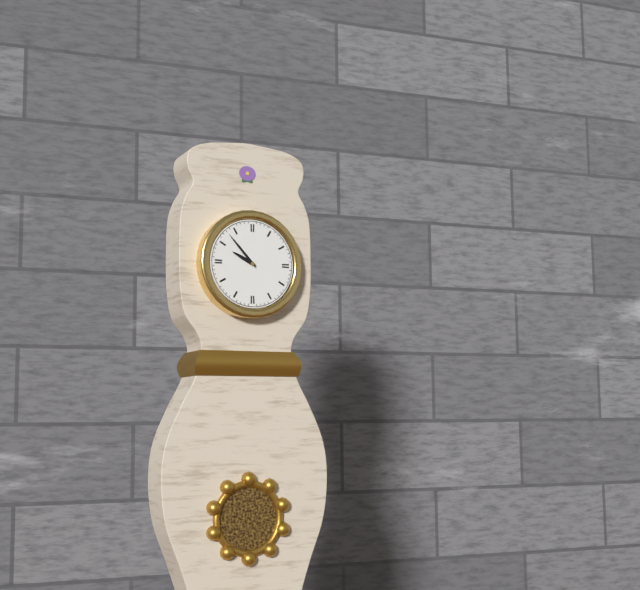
**9:53**
